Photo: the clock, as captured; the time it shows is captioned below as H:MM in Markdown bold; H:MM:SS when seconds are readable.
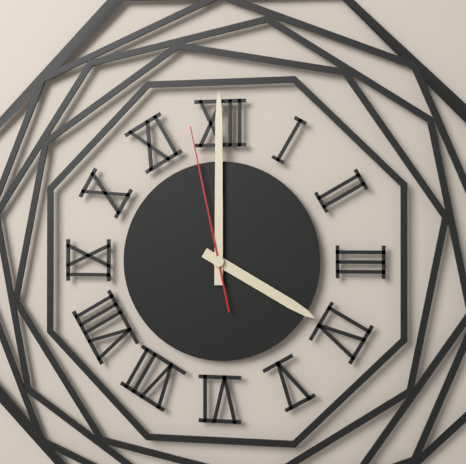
**4:00:58**
